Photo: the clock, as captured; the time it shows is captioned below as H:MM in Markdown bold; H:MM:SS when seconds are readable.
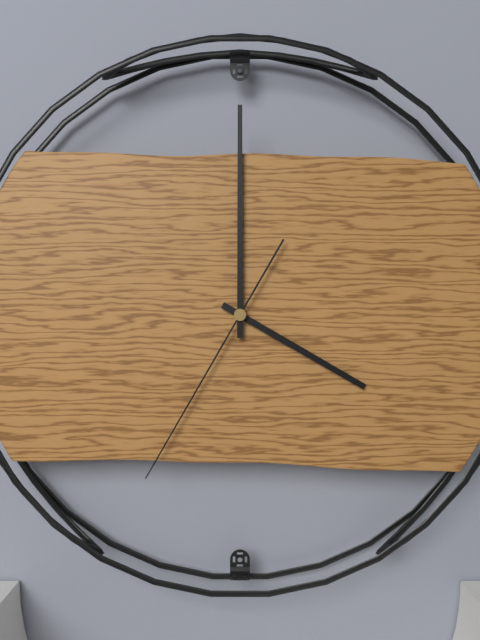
**4:00:35**
